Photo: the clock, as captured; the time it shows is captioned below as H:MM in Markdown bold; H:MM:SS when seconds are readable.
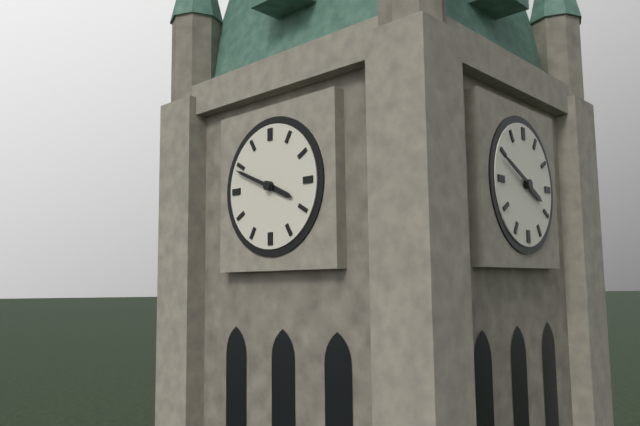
**3:49**
